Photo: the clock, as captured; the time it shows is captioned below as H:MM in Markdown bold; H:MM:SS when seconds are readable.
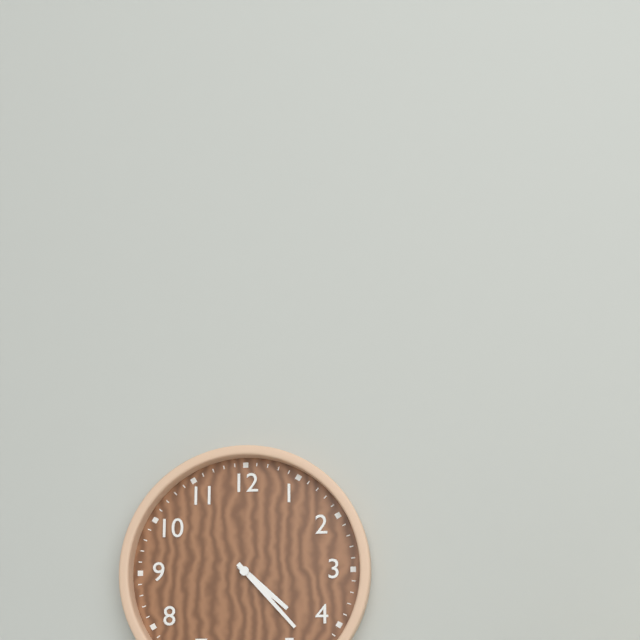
**4:23**
